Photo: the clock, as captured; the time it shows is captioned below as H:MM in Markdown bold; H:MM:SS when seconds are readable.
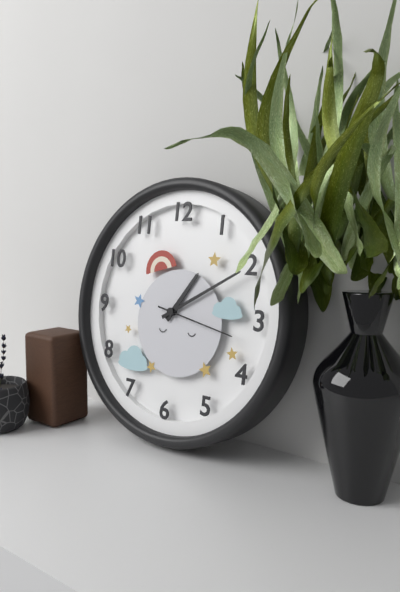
**1:10:17**
